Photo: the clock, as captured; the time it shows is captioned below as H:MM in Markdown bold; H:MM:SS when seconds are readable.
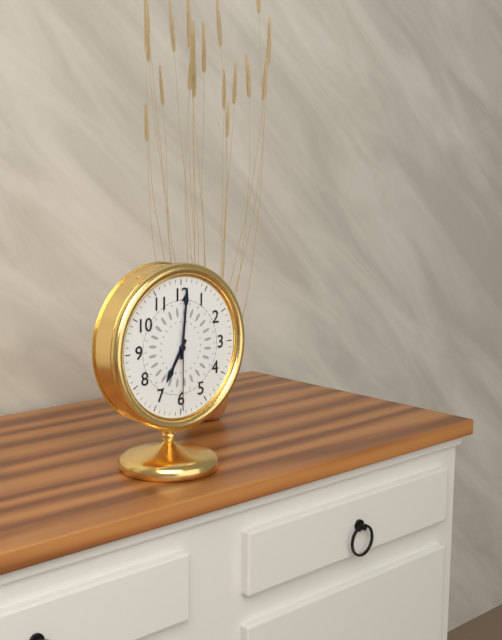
**7:01:30**
